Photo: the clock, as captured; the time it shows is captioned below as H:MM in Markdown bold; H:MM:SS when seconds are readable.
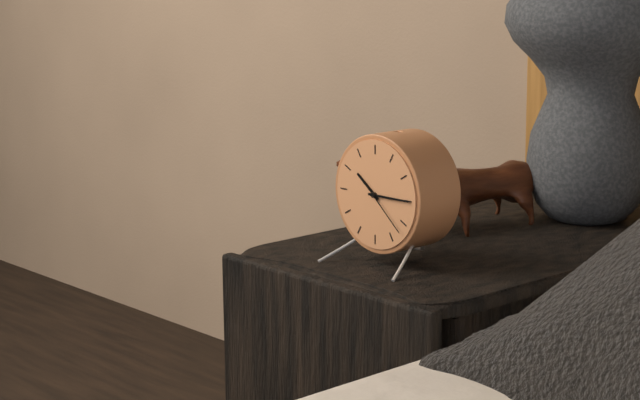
**10:15:22**
